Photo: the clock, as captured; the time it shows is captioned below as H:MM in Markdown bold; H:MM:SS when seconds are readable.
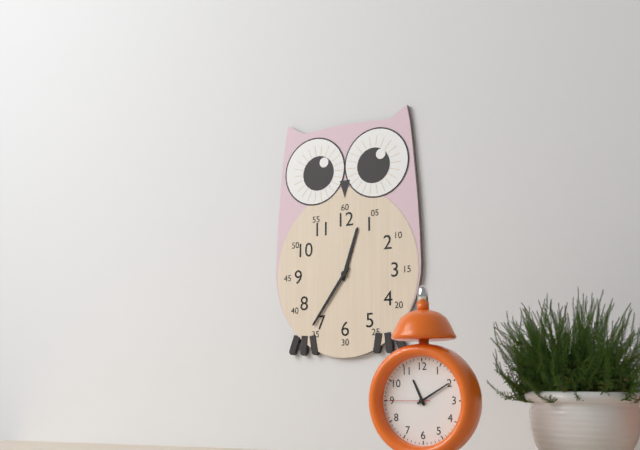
**12:36**
